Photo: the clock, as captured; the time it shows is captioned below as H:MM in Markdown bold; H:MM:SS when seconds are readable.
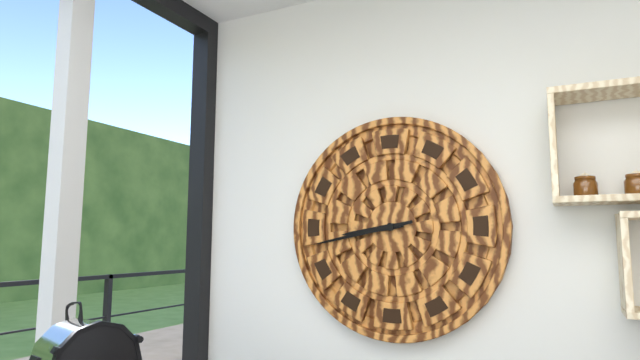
**8:43**
